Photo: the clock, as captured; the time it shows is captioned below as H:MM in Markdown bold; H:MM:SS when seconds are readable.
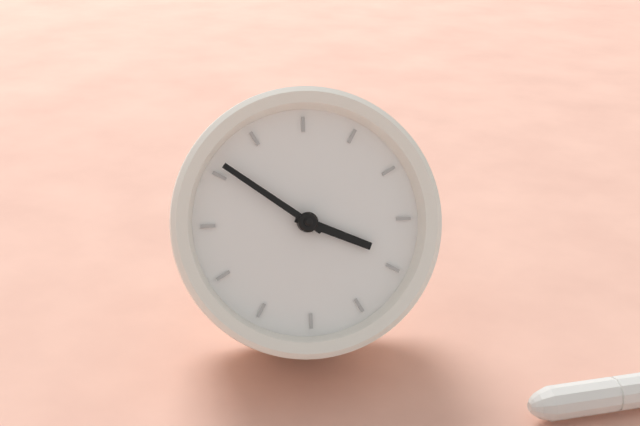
**2:46**
